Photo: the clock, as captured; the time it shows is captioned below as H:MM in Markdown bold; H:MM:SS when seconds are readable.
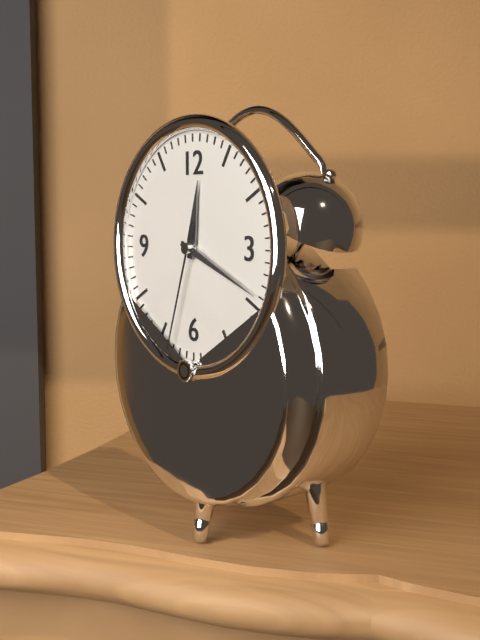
**12:19:33**
